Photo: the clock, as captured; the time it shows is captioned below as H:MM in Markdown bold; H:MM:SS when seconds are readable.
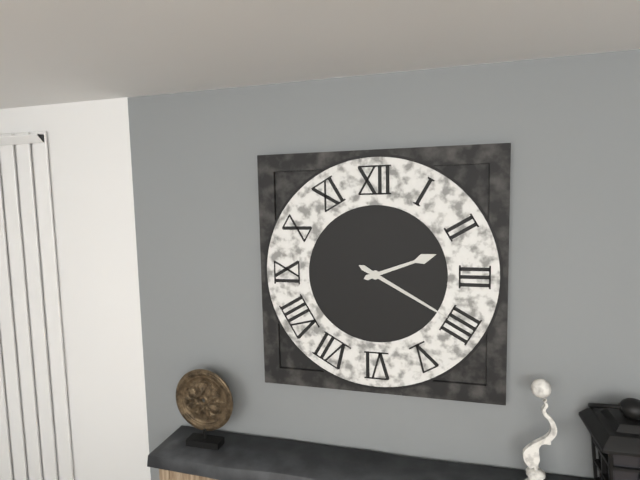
**2:20**
